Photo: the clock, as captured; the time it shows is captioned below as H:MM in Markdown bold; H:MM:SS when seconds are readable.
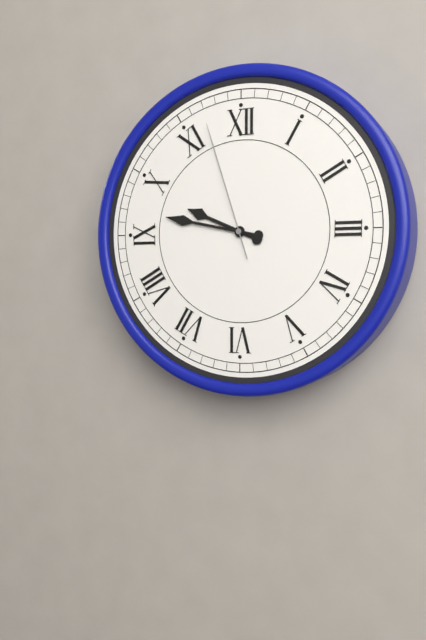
**9:47:57**
